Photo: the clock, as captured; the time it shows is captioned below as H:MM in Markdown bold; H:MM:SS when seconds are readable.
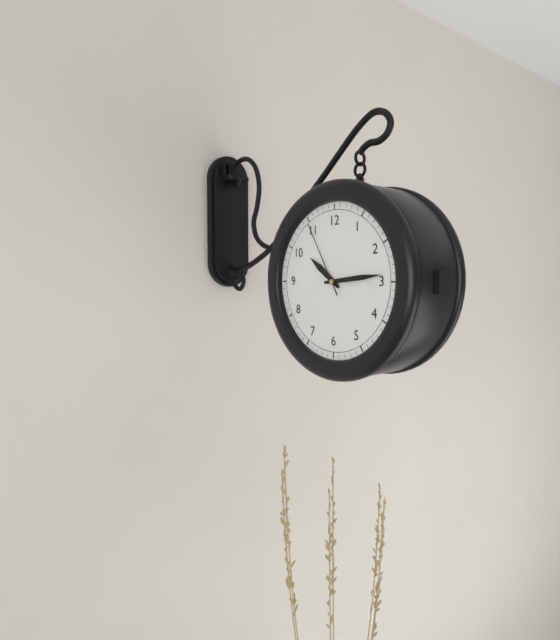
**10:14:55**
